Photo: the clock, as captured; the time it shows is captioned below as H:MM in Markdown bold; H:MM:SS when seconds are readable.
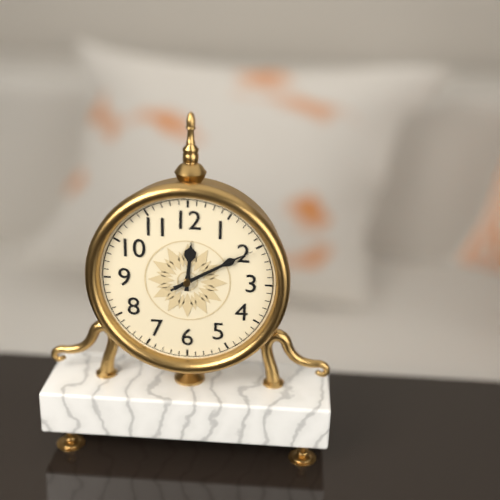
**12:10:10**
